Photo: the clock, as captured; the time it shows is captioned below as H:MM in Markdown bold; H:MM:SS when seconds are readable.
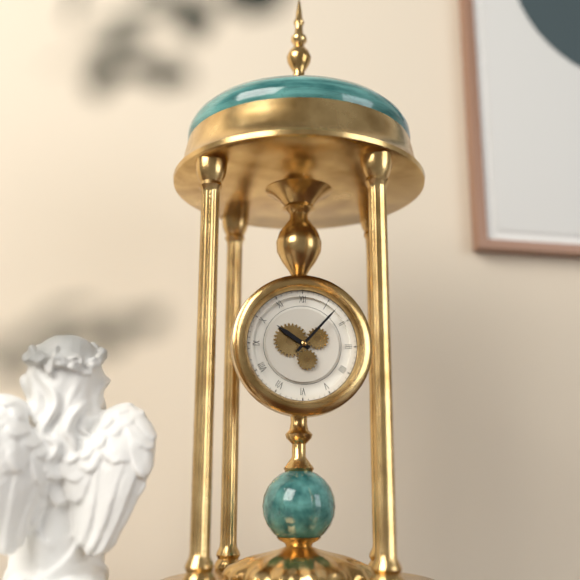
**10:07**
